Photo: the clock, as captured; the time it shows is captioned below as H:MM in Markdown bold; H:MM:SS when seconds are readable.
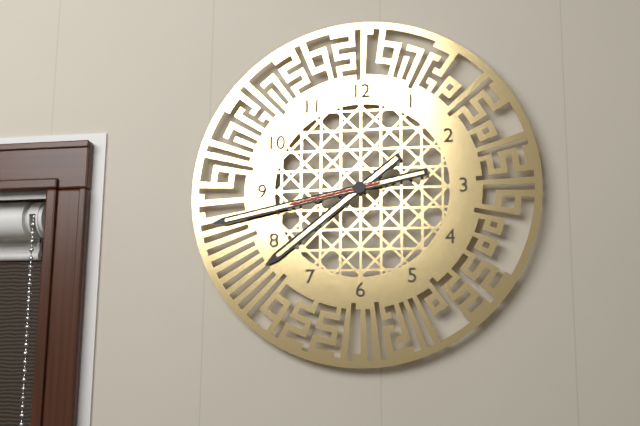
**7:43:43**
